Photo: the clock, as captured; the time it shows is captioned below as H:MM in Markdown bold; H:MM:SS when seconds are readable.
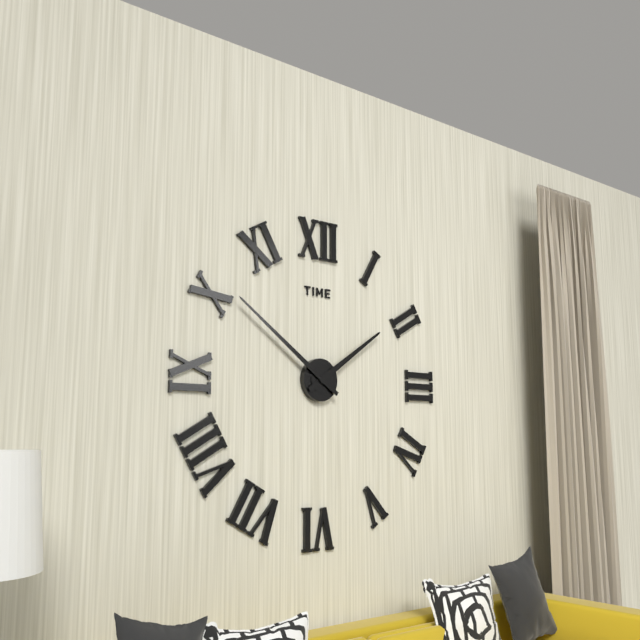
**1:51**
